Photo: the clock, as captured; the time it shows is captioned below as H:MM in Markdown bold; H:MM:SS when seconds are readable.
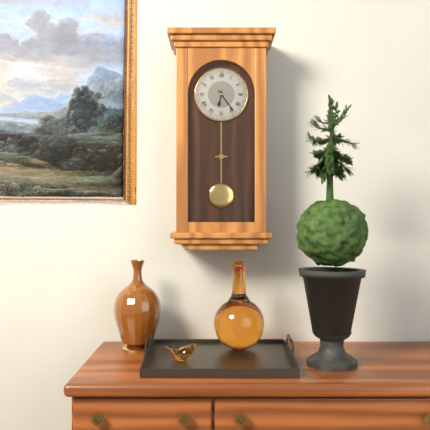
**6:24**
